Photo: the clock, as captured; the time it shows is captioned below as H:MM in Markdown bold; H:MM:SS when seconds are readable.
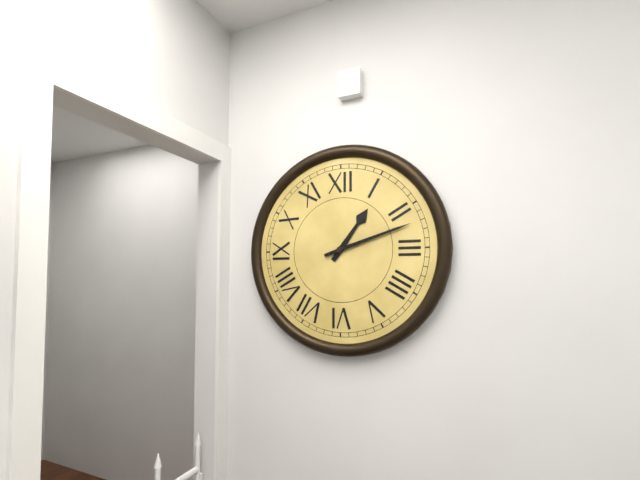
**1:12**
